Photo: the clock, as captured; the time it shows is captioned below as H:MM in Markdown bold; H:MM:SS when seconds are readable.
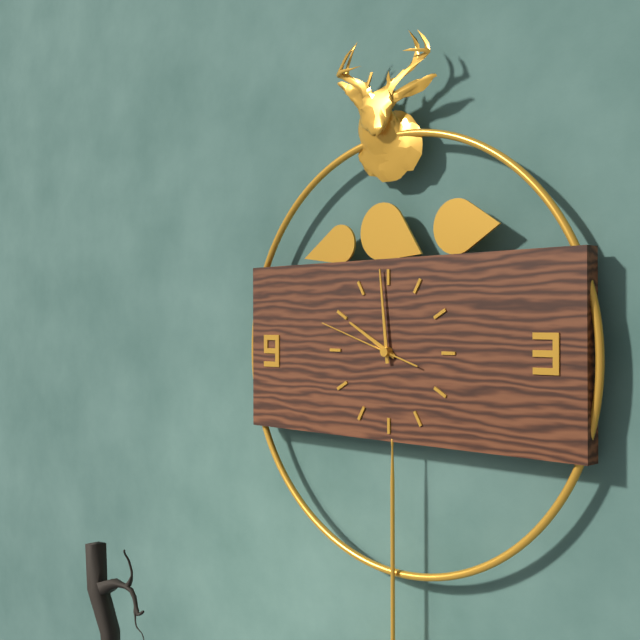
**9:59:48**
